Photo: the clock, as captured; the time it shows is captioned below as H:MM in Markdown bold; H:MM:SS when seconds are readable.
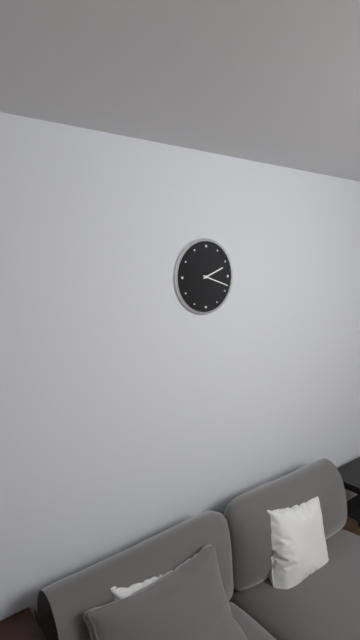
**2:18**
